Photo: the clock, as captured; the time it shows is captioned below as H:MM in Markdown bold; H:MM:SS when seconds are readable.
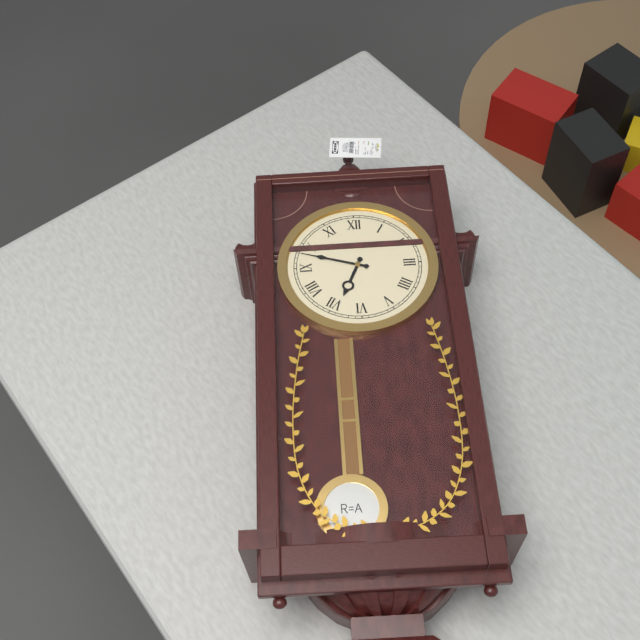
**6:48**
